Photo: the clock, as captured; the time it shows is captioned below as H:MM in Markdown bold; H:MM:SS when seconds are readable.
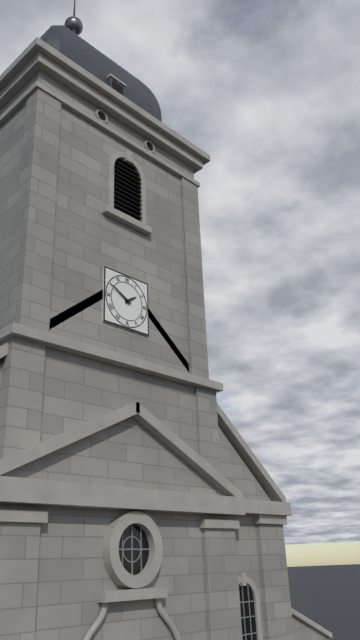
**1:50**
